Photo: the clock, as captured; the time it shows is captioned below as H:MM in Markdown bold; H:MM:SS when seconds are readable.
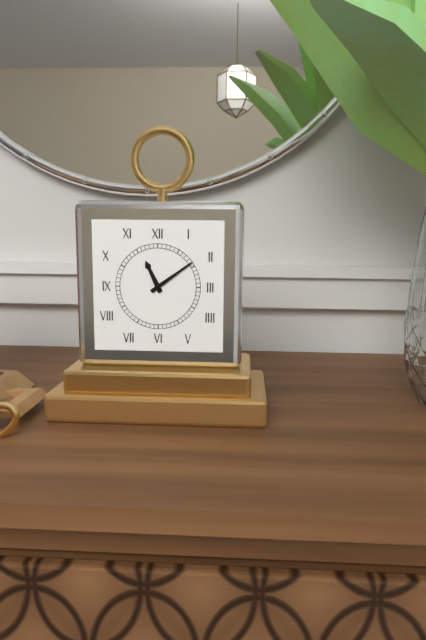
**11:09**
